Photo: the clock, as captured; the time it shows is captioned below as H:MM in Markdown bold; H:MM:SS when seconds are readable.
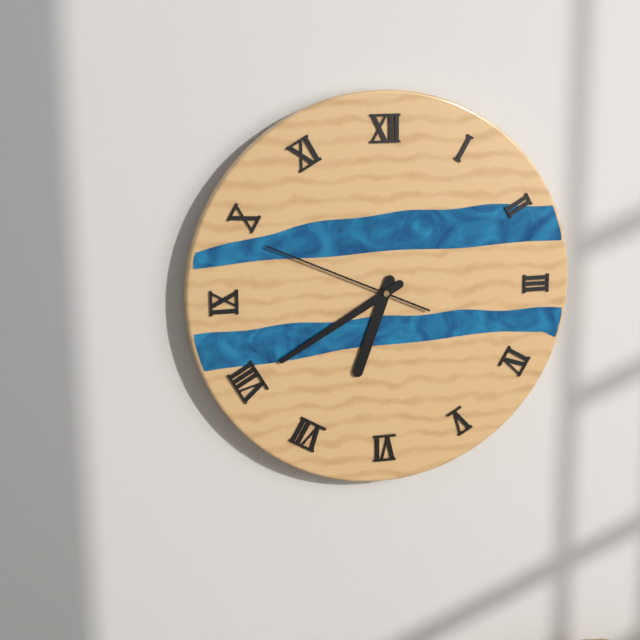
**6:40:49**
